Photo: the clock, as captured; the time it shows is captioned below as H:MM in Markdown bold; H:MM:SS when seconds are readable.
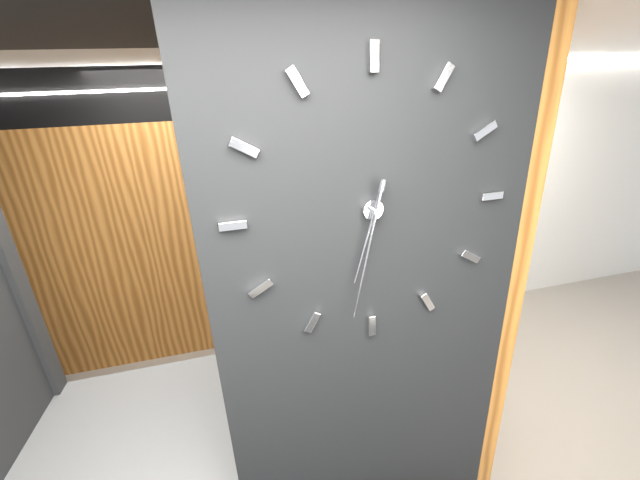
**6:32**
